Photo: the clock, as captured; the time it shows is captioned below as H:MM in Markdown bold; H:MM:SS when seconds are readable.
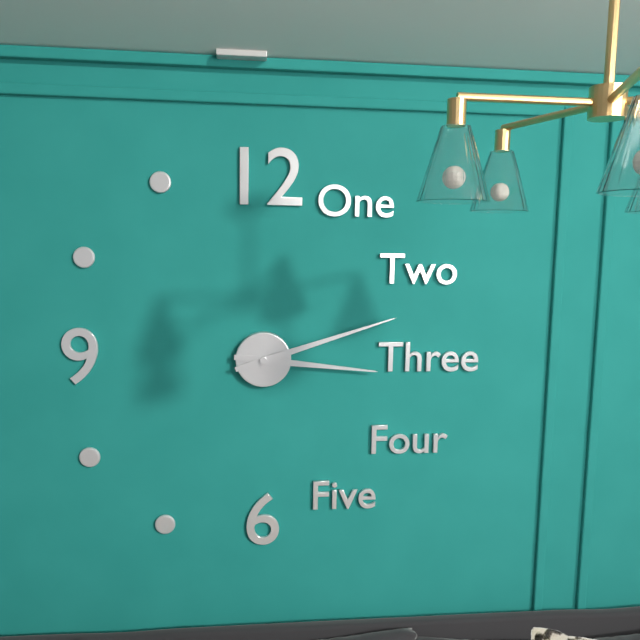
**3:12**
